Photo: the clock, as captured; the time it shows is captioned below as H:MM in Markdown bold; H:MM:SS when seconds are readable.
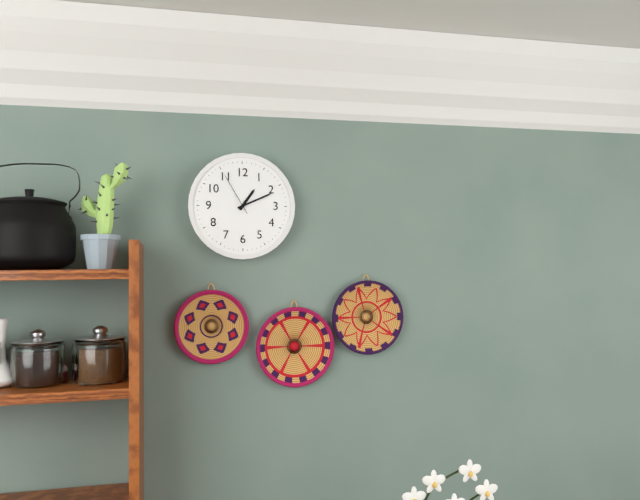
**1:11**
